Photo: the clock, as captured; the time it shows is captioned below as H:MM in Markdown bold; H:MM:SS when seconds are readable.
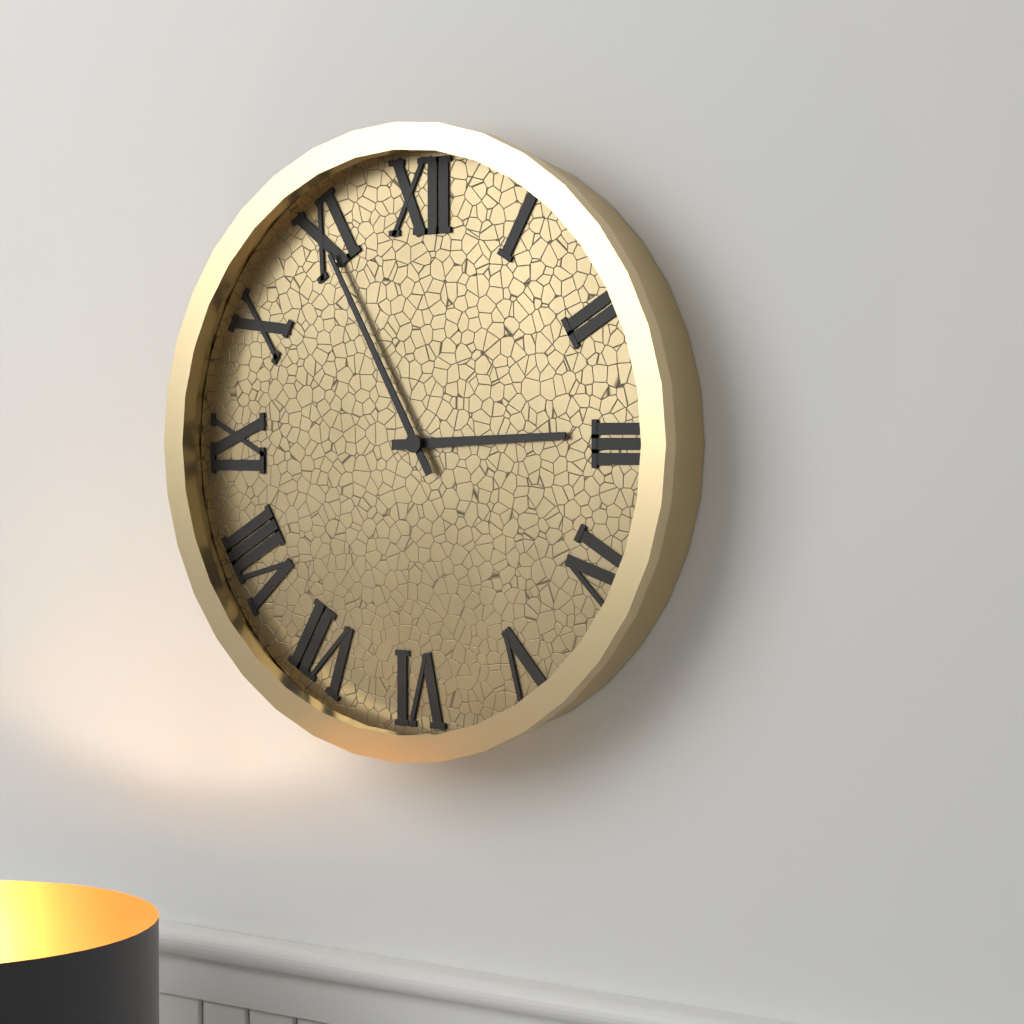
**2:55**
